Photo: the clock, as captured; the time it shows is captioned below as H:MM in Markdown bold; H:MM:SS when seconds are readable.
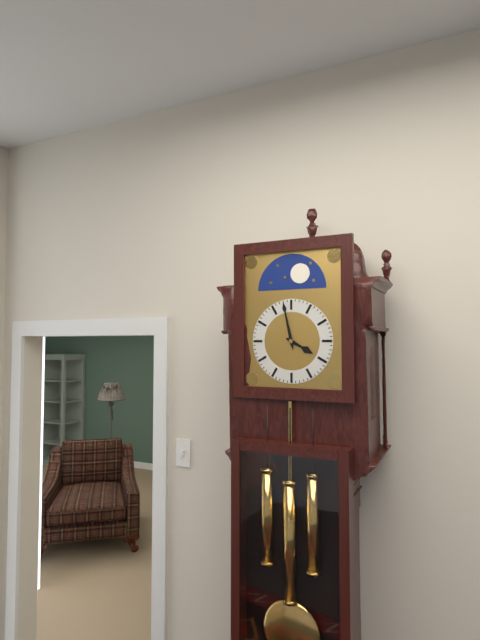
**3:58**
